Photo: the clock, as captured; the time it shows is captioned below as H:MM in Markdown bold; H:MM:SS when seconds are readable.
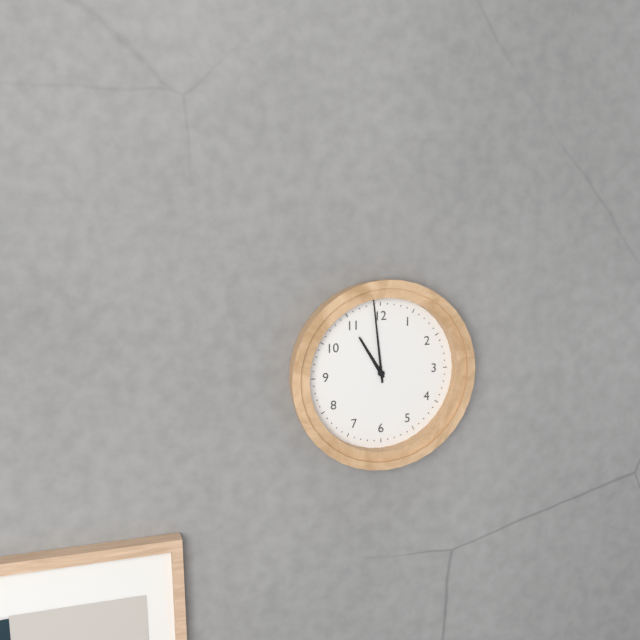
**10:59**
